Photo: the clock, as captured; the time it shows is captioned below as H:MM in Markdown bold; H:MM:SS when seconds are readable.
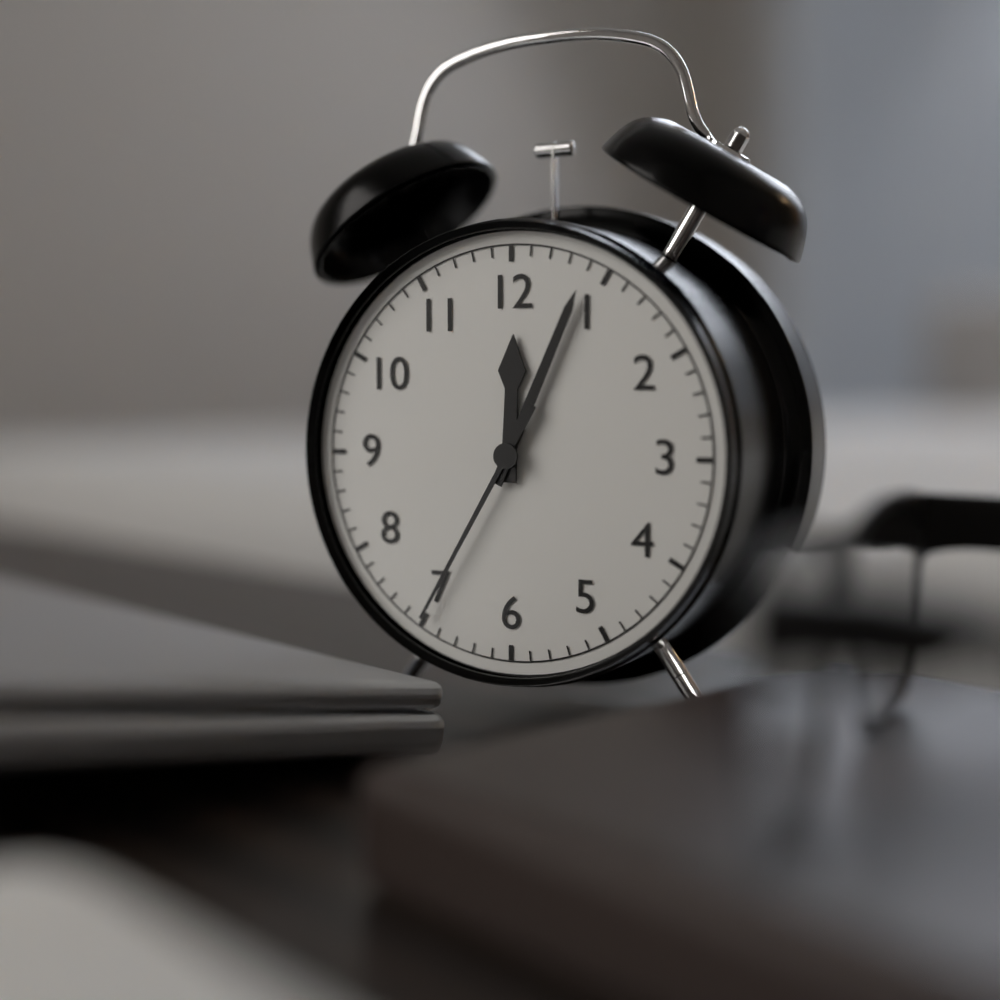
**12:04:35**
